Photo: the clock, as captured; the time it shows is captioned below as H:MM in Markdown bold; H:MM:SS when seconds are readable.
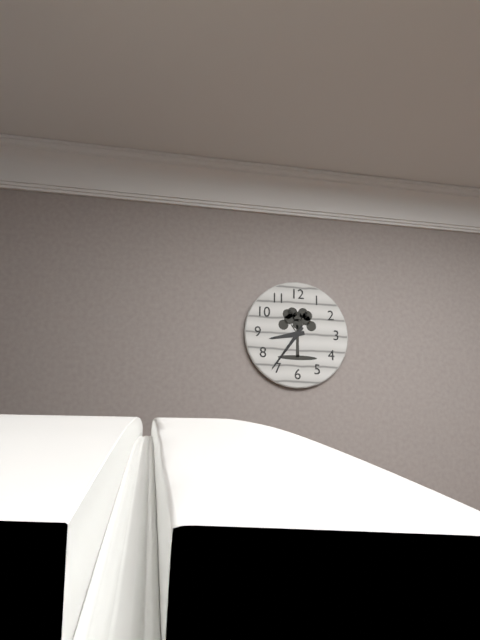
**8:36**
